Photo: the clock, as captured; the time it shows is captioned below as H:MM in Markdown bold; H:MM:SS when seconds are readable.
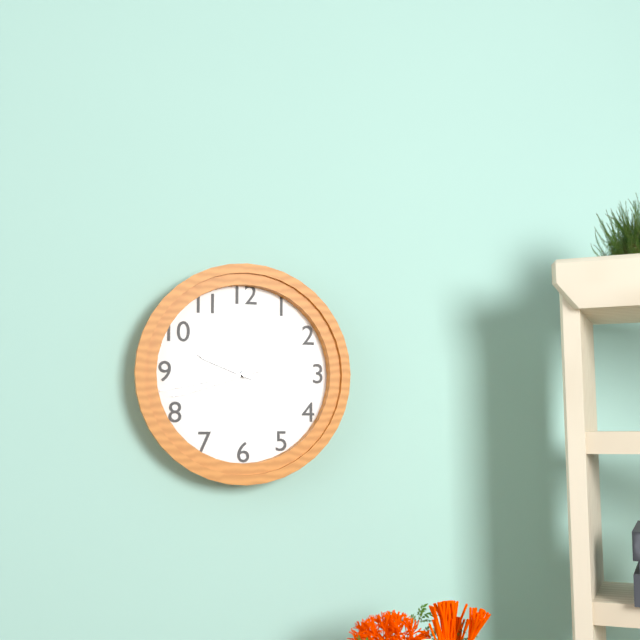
**9:42:43**
